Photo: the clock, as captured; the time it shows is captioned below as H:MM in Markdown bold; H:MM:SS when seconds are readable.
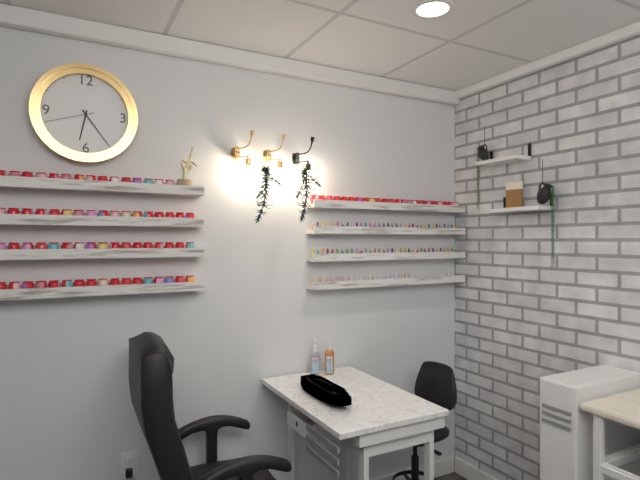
**6:24:42**
